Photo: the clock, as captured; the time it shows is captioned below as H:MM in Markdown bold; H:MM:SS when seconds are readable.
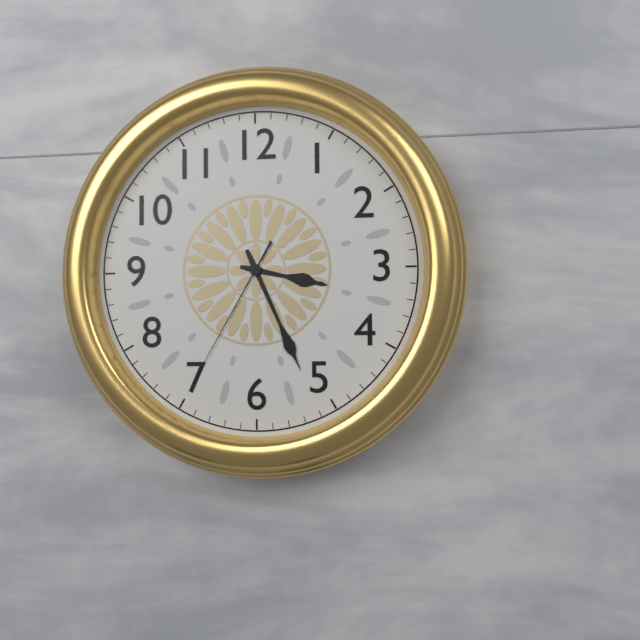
**3:26:35**
